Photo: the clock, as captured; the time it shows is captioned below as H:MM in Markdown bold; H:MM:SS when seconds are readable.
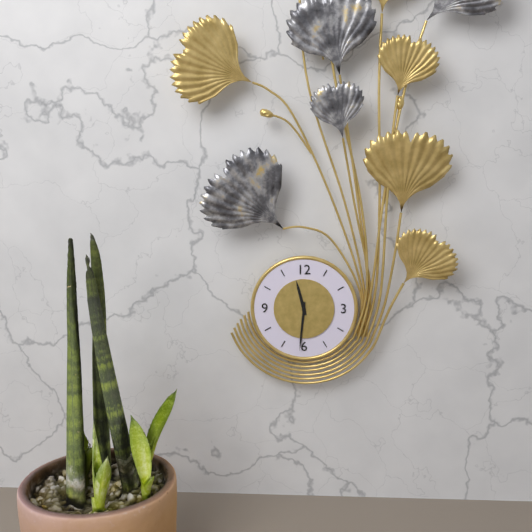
**11:31**
